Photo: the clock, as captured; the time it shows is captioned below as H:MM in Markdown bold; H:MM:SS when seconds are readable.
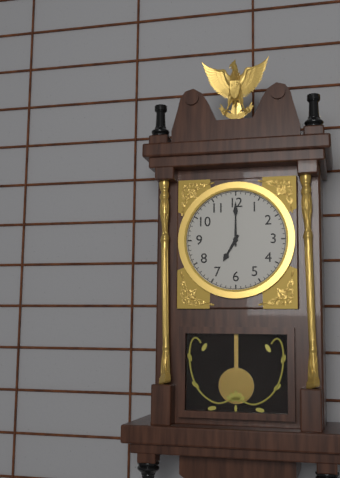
**7:00**
